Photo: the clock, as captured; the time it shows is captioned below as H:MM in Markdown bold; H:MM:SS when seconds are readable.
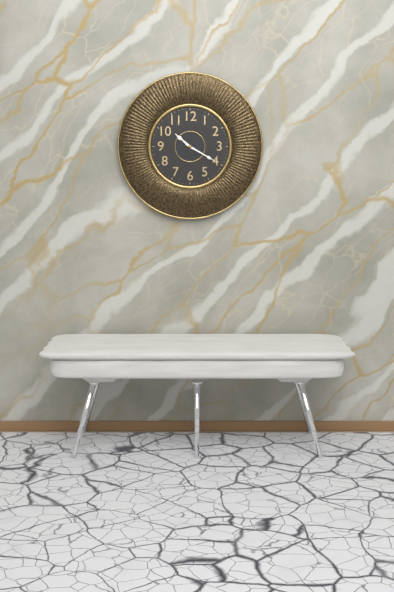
**10:20**
